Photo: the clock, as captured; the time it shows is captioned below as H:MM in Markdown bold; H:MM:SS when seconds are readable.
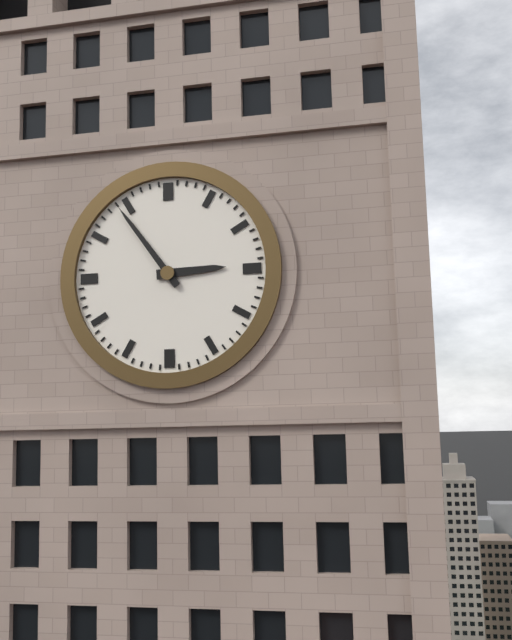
**2:54**
